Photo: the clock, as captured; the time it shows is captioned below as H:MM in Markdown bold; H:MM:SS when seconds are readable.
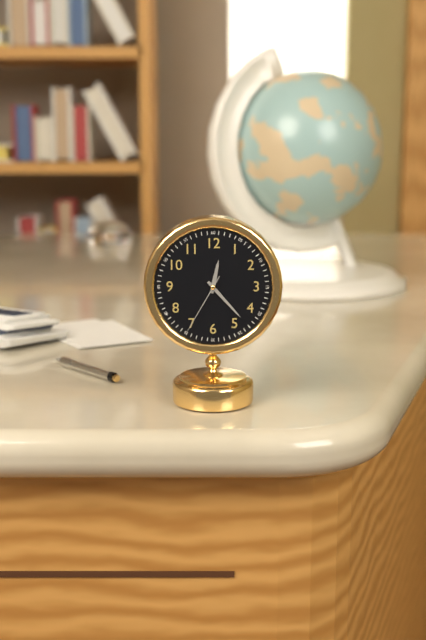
**12:23:35**
